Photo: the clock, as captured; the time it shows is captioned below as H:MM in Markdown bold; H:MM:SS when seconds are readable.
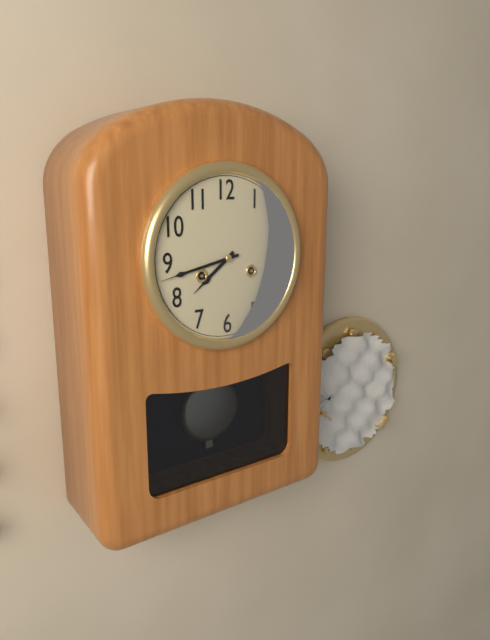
**7:43**
